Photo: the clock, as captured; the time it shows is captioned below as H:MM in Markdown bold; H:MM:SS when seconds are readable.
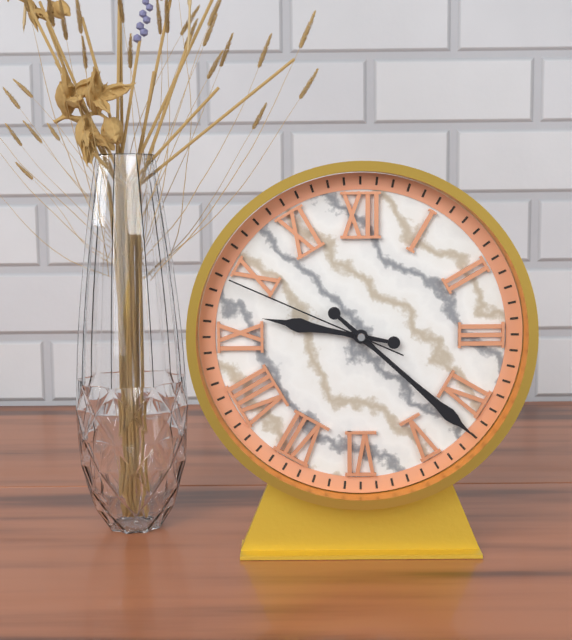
**9:22:49**
